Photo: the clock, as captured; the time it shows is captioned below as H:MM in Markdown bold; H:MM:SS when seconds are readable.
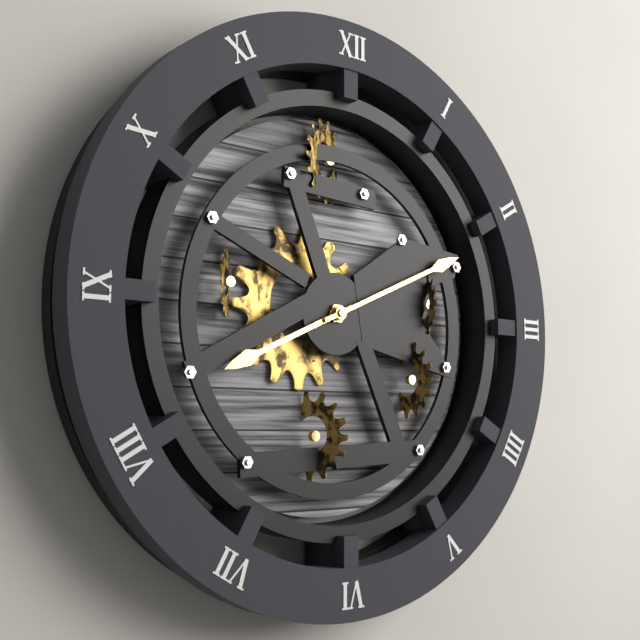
**8:11**
